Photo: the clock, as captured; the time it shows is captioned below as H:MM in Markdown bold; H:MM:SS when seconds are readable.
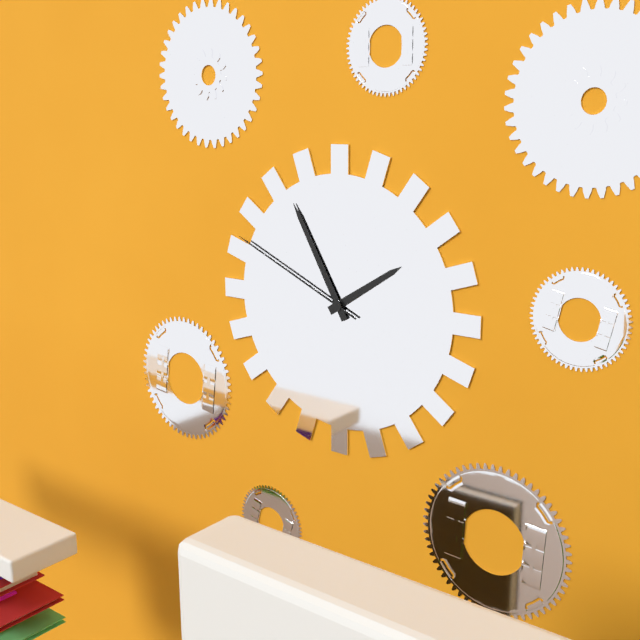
**1:55:49**
